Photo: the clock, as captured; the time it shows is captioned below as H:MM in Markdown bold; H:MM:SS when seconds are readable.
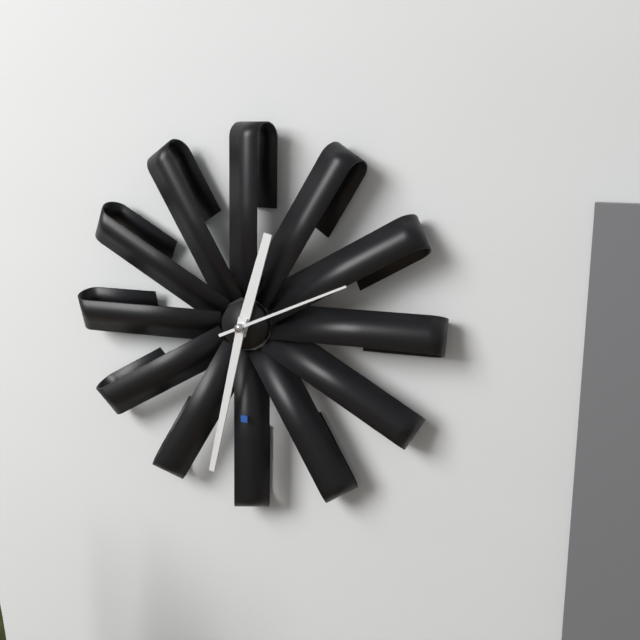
**12:32:11**
